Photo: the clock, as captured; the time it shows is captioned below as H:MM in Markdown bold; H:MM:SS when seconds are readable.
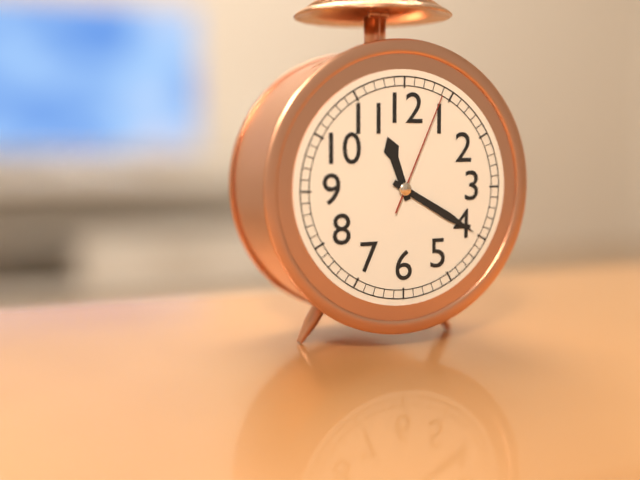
**11:20:04**
